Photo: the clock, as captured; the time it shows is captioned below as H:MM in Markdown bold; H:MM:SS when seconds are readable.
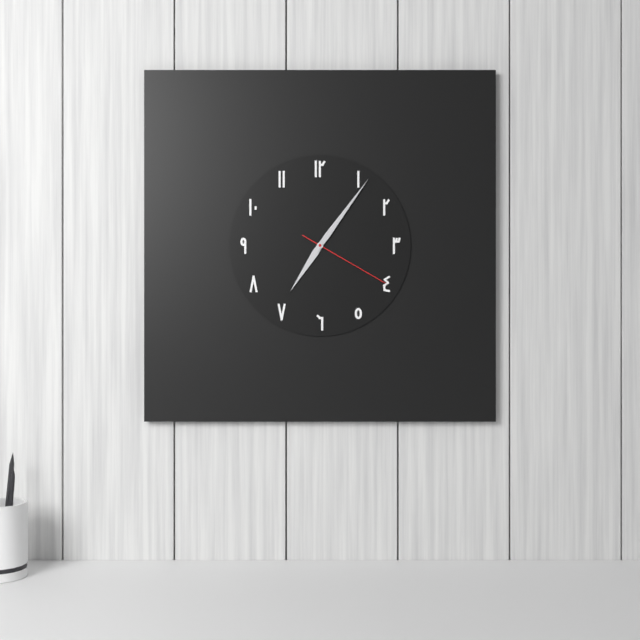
**7:06:20**
